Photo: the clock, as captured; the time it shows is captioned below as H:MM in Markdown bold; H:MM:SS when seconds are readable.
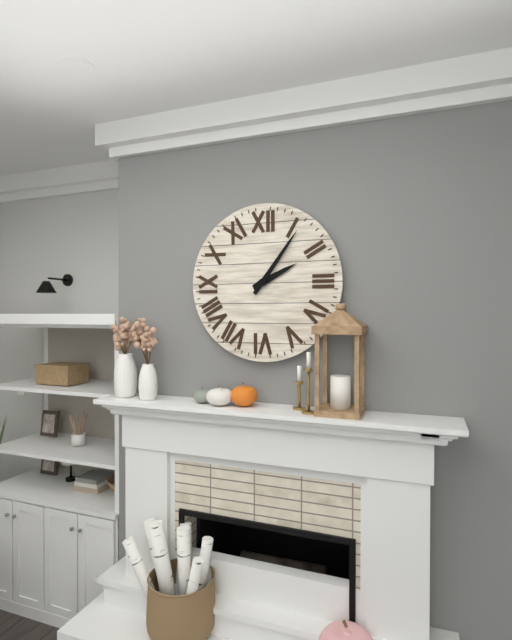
**2:06**
